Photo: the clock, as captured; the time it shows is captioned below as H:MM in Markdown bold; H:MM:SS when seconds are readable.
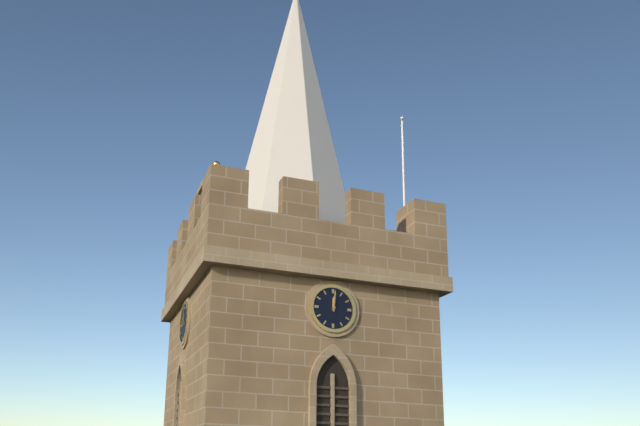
**12:01**
